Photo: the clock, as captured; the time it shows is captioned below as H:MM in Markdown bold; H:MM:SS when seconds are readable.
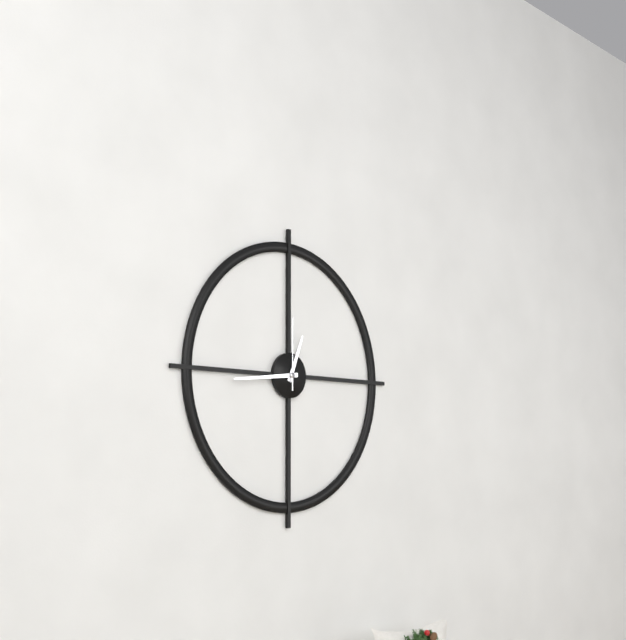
**12:44:00**
